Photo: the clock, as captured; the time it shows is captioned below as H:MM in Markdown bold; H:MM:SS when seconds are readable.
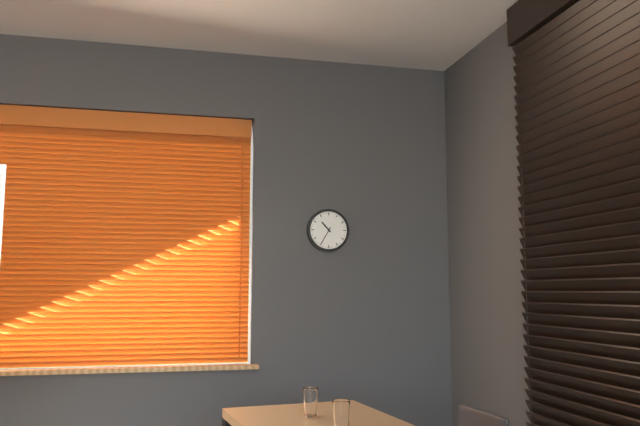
**10:35**
